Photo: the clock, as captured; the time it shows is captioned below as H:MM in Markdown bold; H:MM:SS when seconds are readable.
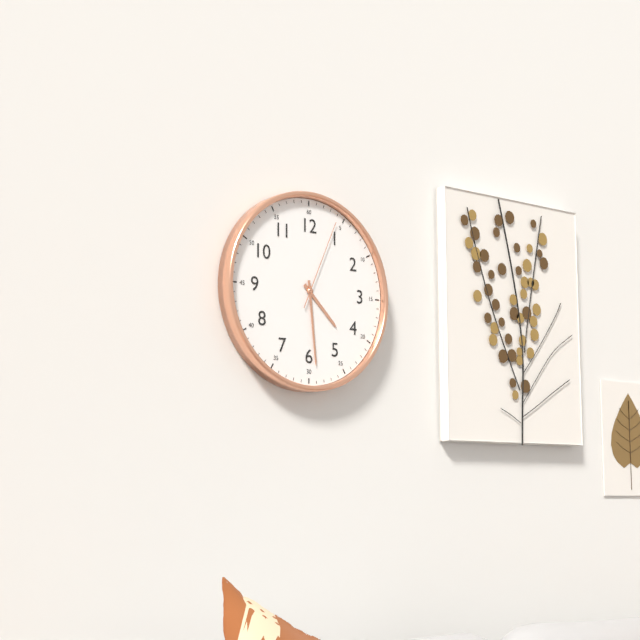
**4:29:04**
